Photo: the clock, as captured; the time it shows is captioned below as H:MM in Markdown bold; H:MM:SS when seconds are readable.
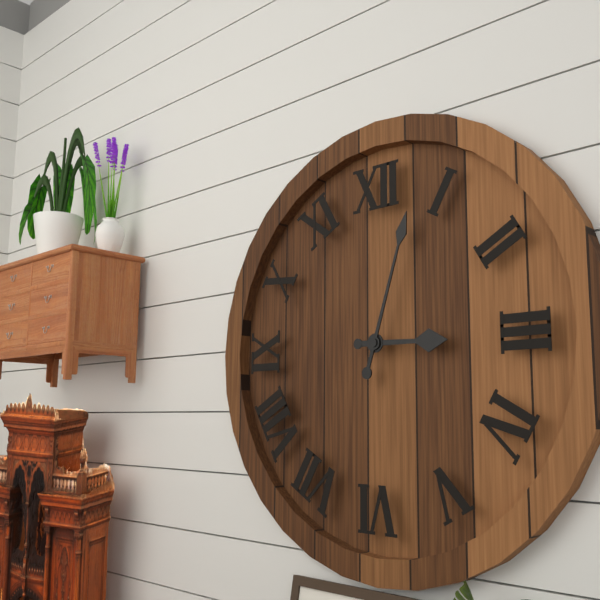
**3:03**
